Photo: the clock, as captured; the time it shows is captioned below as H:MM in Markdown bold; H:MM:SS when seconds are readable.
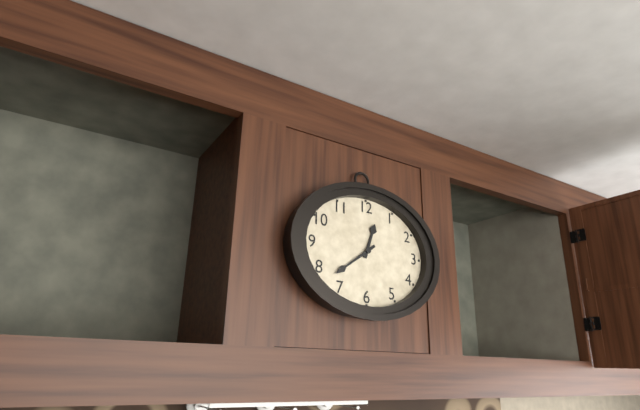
**12:39**
